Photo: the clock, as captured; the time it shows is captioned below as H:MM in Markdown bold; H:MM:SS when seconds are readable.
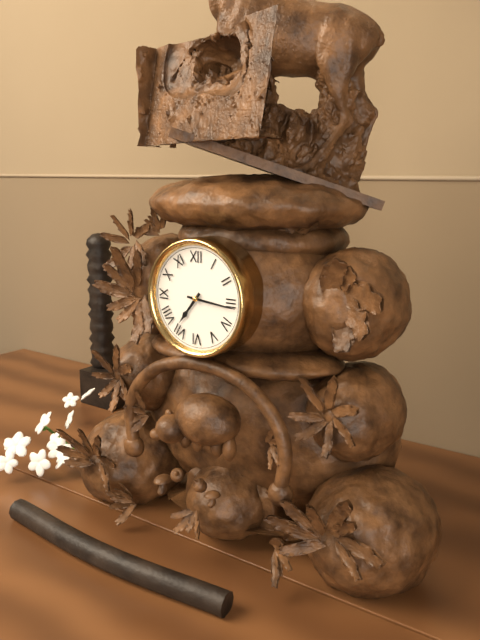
**7:16**
